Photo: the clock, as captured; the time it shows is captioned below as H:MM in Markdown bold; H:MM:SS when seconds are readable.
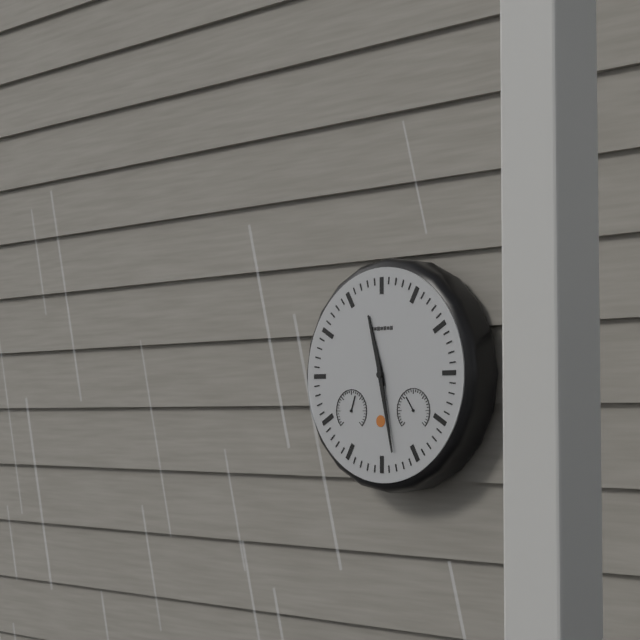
**11:28**
